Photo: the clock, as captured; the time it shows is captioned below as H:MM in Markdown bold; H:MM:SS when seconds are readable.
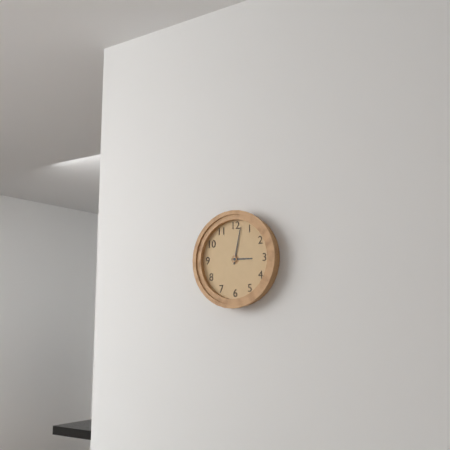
**3:02**
